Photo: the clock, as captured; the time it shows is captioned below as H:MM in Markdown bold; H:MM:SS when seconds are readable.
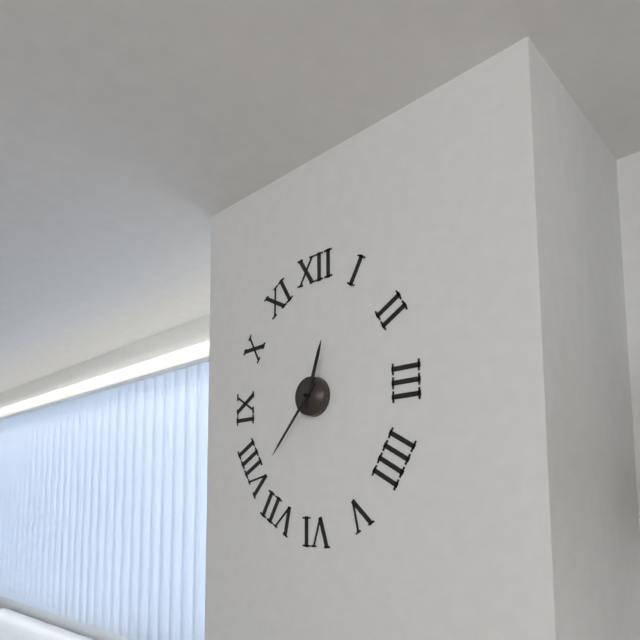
**12:37**
